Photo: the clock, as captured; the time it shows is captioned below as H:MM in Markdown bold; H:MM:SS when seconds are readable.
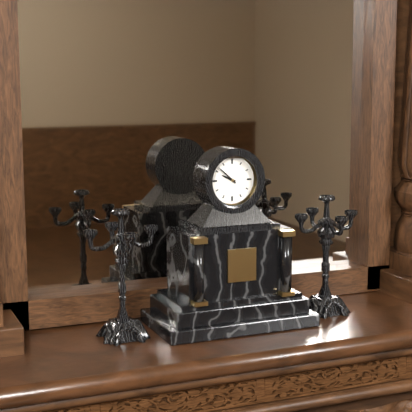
**9:52**
